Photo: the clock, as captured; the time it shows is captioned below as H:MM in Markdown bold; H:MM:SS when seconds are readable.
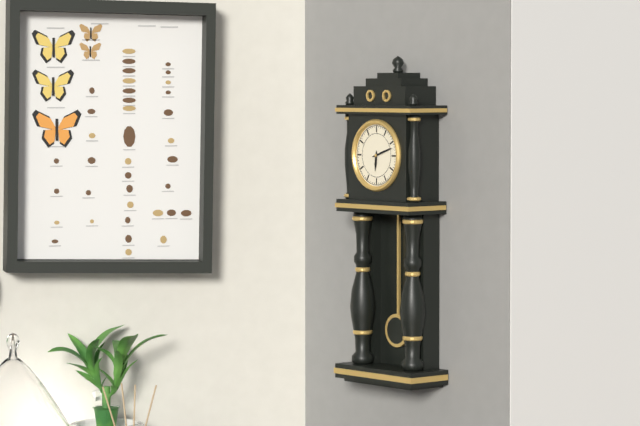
**6:12**
